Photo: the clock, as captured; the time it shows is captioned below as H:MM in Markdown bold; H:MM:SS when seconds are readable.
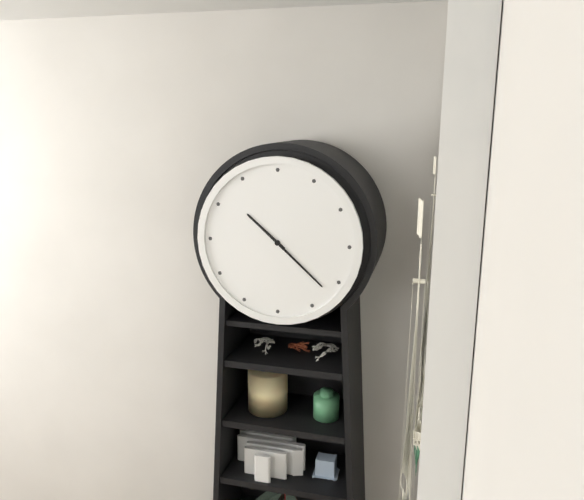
**10:22**
